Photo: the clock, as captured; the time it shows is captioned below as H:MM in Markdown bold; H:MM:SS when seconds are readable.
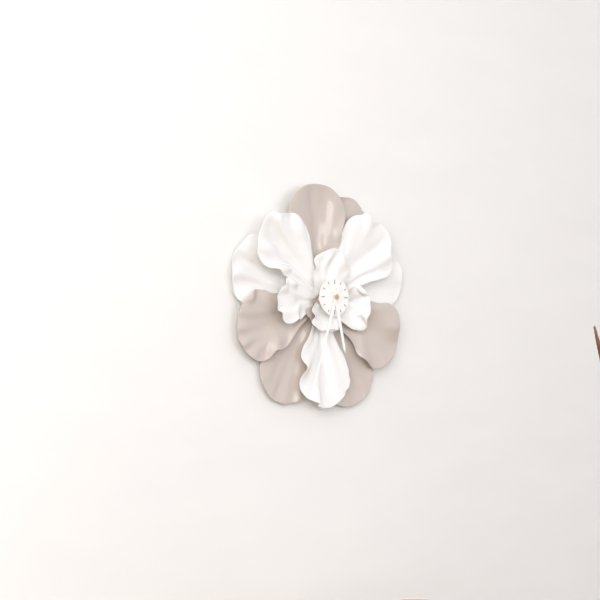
**5:33**
